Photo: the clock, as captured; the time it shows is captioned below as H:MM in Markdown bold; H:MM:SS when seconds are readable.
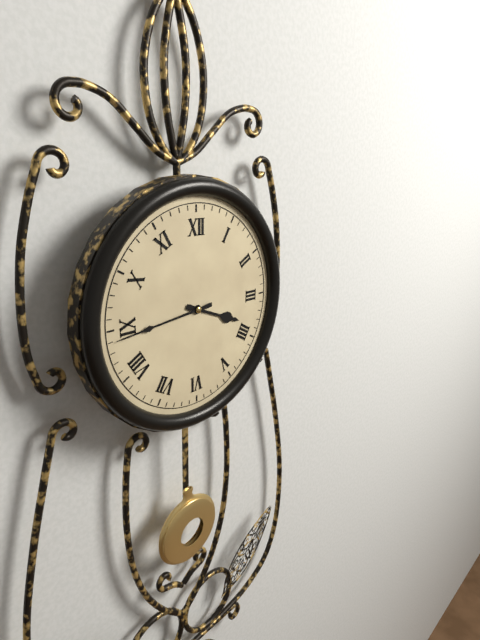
**3:44**
